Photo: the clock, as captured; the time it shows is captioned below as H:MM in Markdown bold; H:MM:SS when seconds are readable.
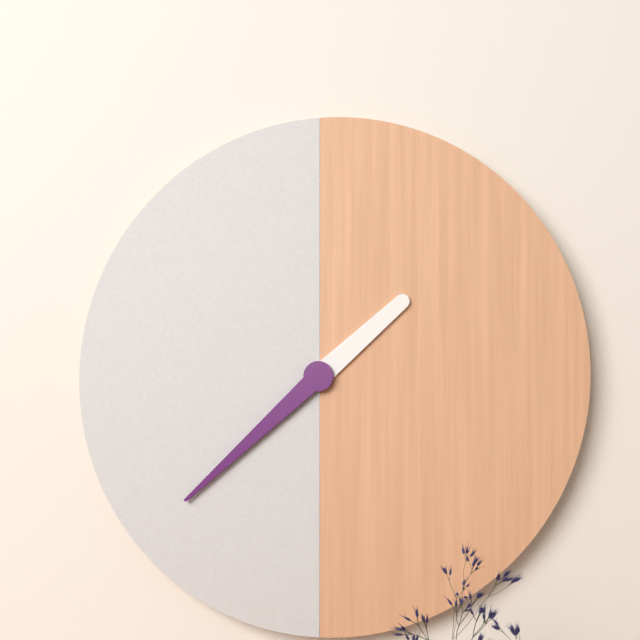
**1:38**
